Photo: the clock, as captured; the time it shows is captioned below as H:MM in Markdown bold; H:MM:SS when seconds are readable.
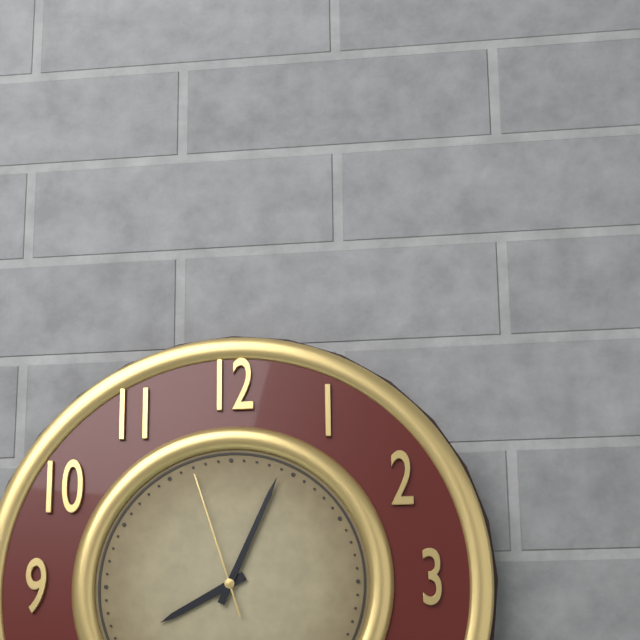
**8:04:57**
